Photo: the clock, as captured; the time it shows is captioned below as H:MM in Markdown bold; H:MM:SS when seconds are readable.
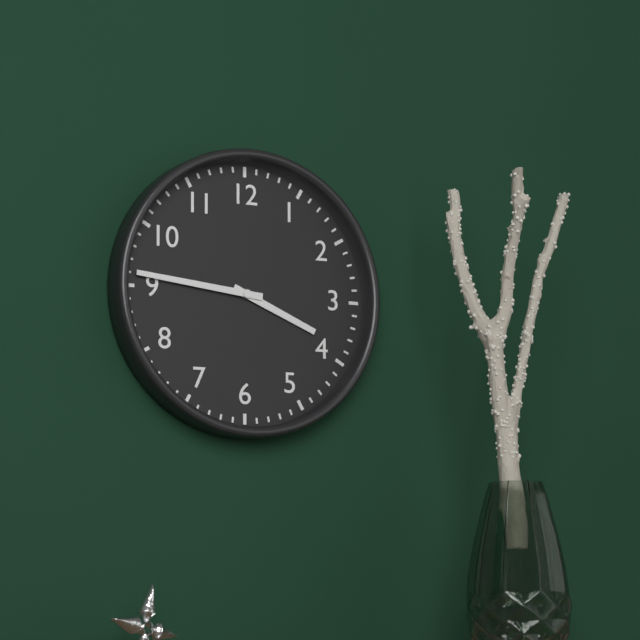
**3:46**
